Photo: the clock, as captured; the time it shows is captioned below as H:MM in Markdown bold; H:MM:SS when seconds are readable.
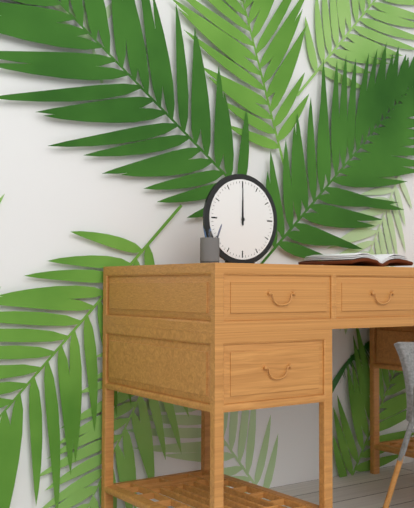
**12:00**
